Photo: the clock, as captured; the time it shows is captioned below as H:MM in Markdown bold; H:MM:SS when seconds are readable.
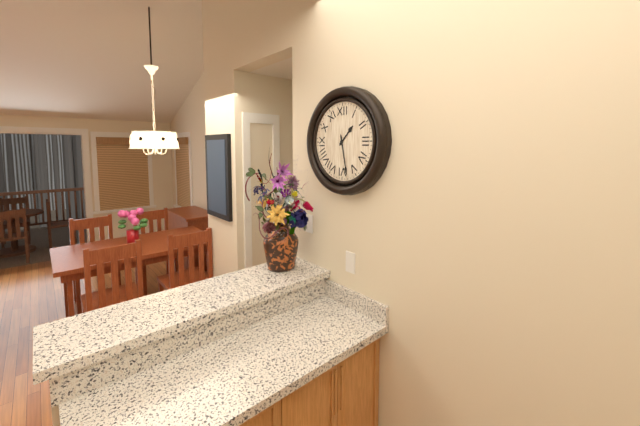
**1:28**
